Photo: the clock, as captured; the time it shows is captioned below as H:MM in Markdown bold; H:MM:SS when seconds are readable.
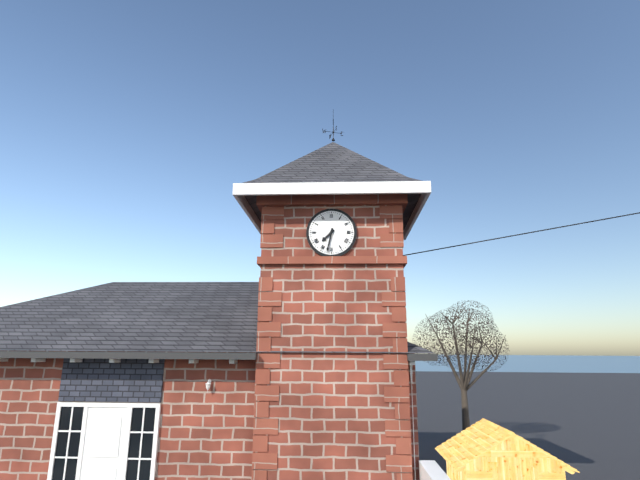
**7:32**
